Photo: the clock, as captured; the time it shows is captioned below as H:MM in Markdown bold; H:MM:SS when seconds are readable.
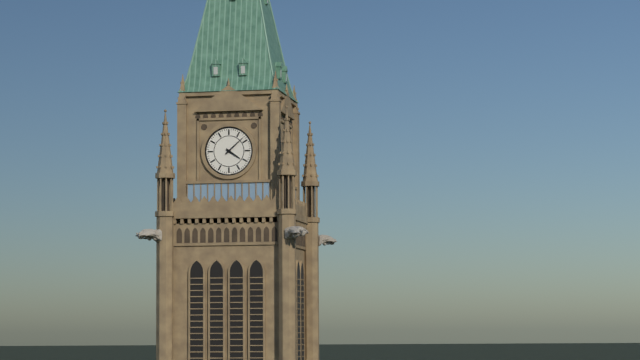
**4:08**
